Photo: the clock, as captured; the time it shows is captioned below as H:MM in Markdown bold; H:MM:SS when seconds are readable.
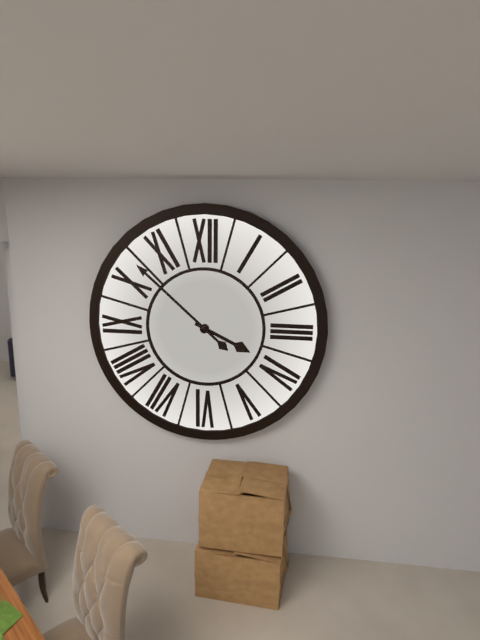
**3:52**
